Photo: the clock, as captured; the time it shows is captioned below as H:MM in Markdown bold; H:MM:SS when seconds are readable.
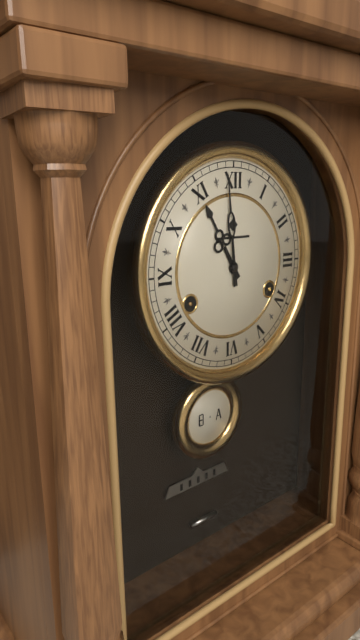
**10:59**
